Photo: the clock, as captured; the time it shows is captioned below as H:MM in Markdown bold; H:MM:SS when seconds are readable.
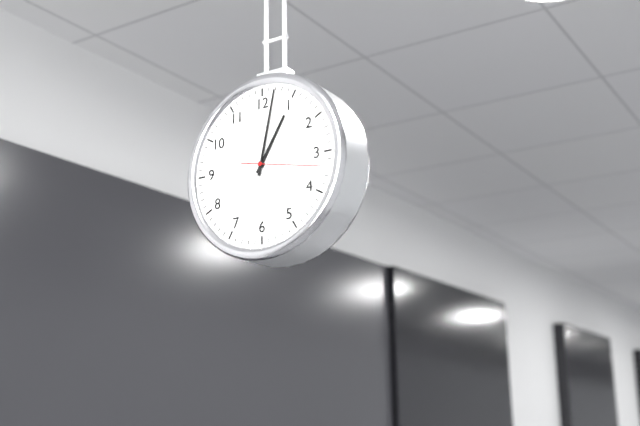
**1:02:17**
